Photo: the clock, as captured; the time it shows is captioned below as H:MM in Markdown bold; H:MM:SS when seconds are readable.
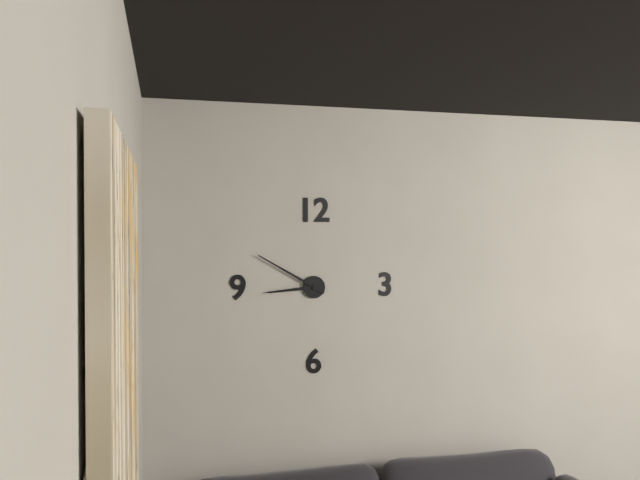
**8:50**
